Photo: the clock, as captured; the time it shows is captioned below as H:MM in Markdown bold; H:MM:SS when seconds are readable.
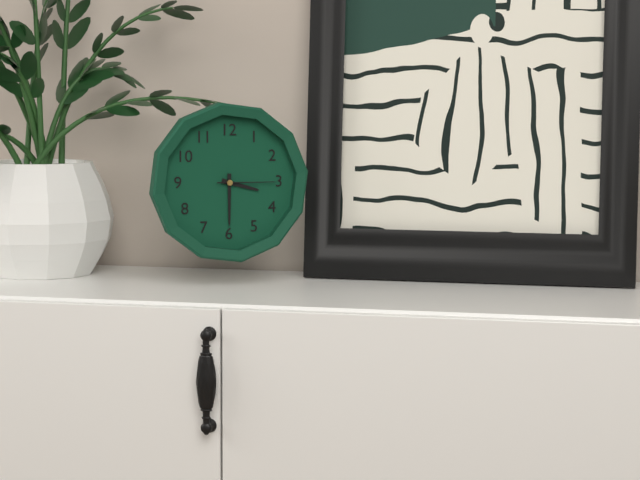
**3:30:15**
